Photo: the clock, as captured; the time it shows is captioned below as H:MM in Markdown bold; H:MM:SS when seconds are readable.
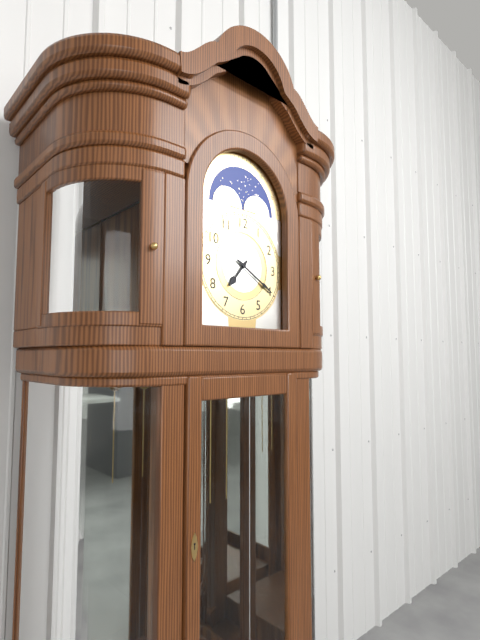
**7:20**
